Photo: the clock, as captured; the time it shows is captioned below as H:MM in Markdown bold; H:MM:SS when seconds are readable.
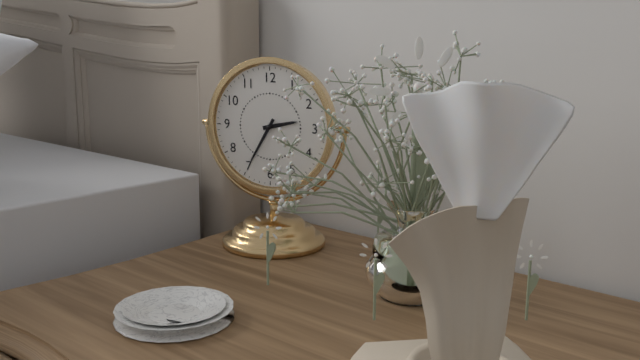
**2:35**
